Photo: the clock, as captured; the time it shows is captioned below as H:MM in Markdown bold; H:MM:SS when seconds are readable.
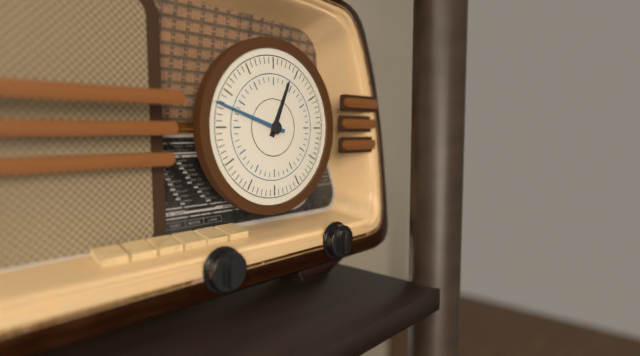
**12:48**
